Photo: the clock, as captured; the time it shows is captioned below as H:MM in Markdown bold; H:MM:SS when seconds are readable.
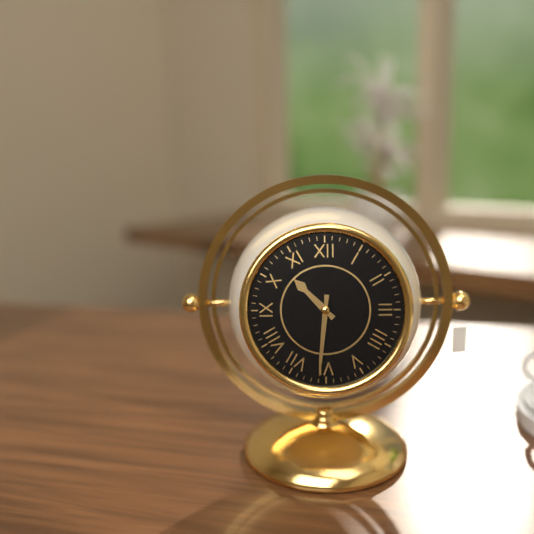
**10:31**
